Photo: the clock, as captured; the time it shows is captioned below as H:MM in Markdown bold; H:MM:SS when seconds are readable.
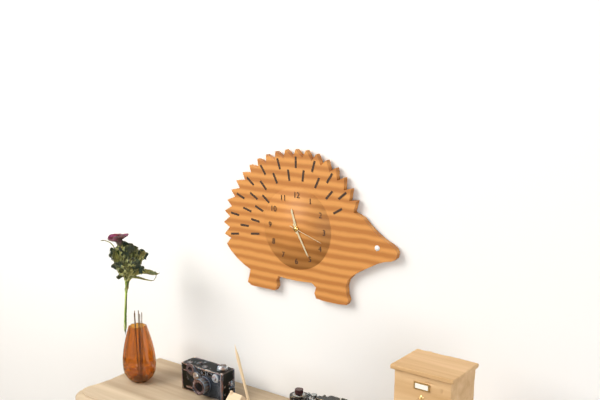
**11:25**
